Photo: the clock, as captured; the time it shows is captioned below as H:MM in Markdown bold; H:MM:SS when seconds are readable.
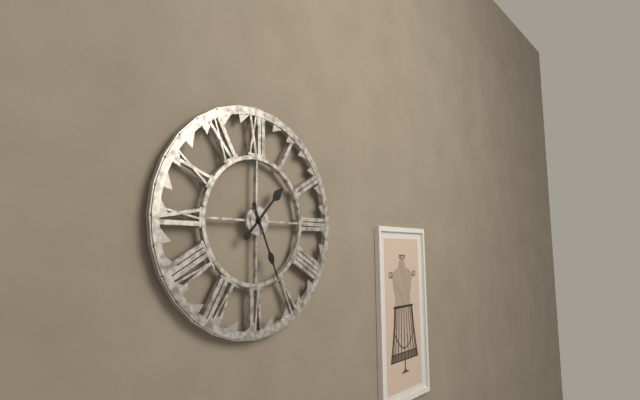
**1:26**
